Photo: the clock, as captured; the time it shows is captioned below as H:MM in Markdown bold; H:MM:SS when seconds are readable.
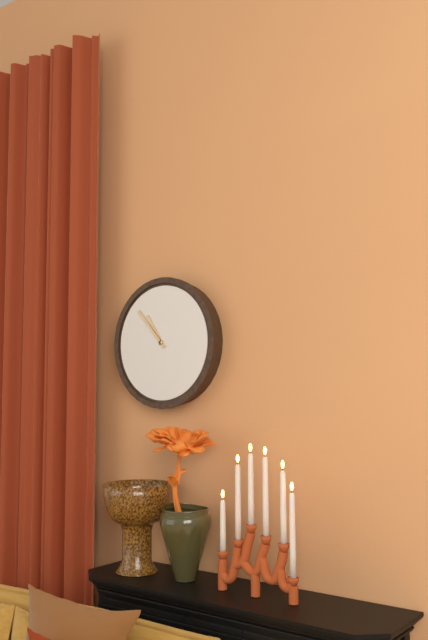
**10:53**
